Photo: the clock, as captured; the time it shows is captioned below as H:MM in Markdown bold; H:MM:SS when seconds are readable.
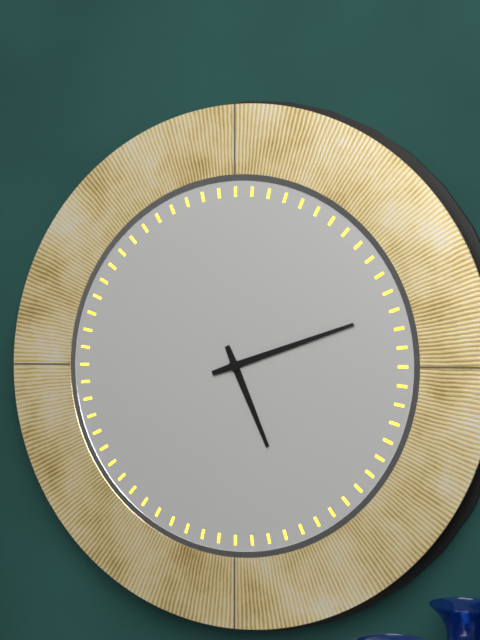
**5:12**
